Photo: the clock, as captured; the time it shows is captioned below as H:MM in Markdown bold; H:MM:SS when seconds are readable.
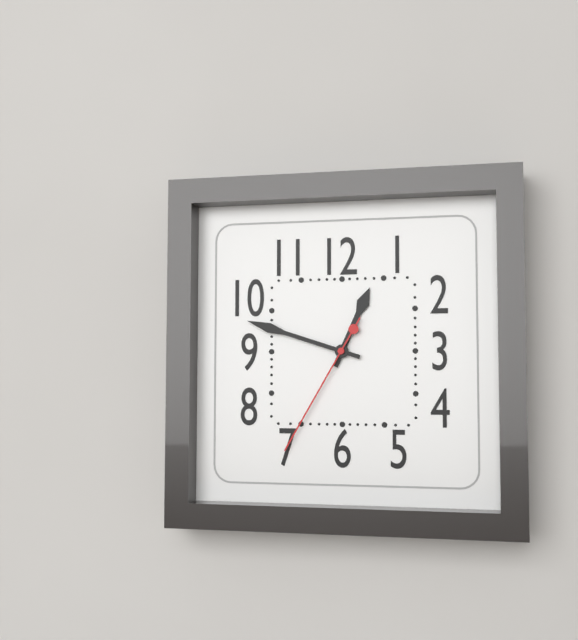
**12:48:35**
